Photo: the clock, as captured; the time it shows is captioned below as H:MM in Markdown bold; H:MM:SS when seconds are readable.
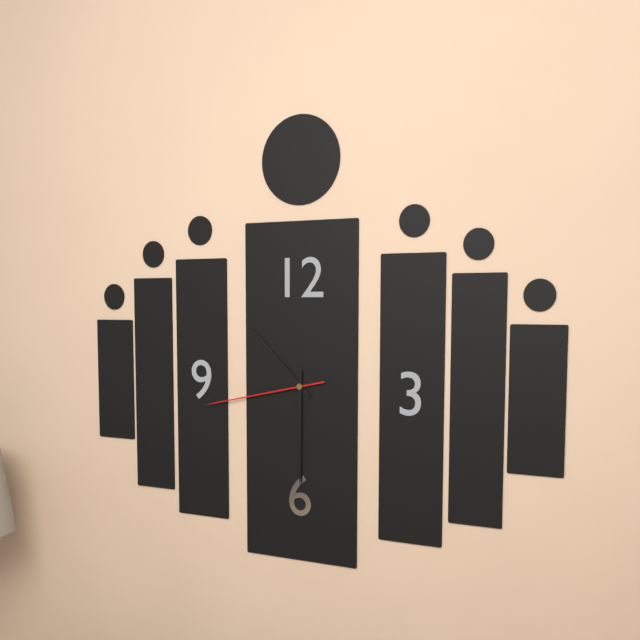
**10:30:43**
